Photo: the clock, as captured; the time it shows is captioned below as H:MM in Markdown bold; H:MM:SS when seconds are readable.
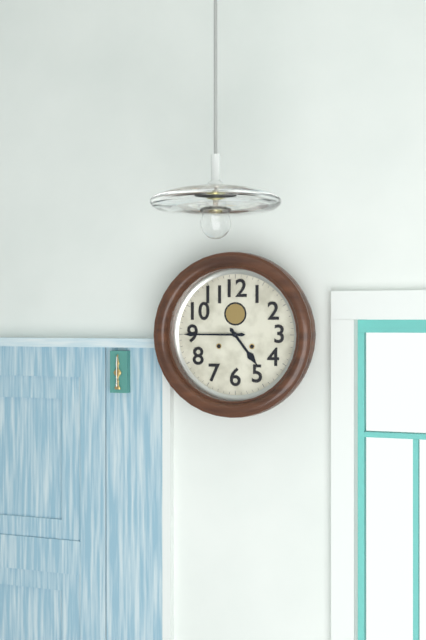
**4:45**
